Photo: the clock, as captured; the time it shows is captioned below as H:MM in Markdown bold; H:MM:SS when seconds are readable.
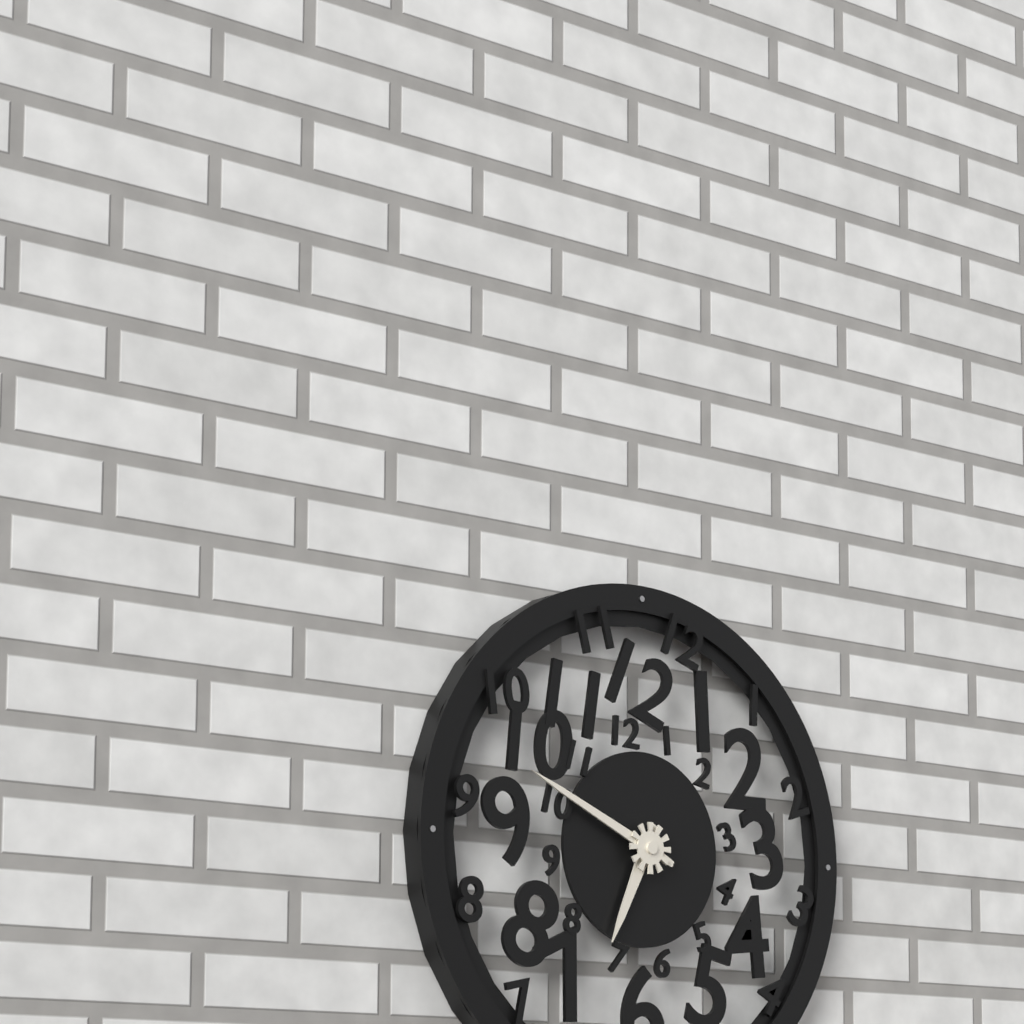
**6:49**
